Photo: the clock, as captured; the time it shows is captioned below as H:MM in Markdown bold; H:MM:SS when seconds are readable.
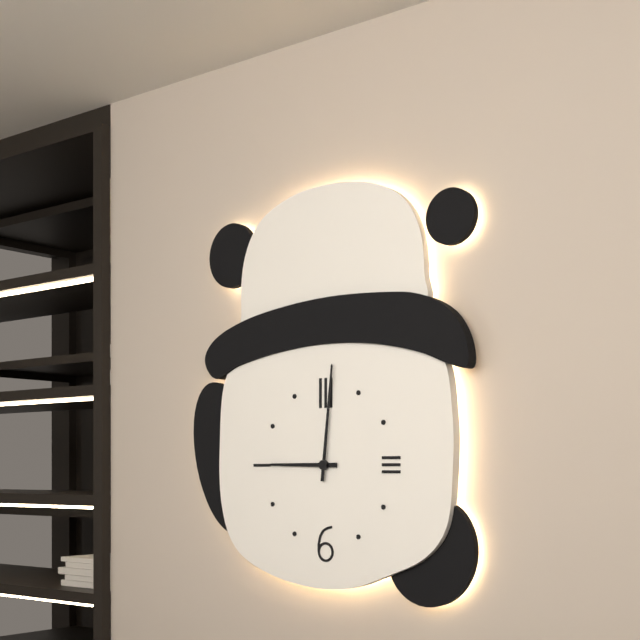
**9:01**
